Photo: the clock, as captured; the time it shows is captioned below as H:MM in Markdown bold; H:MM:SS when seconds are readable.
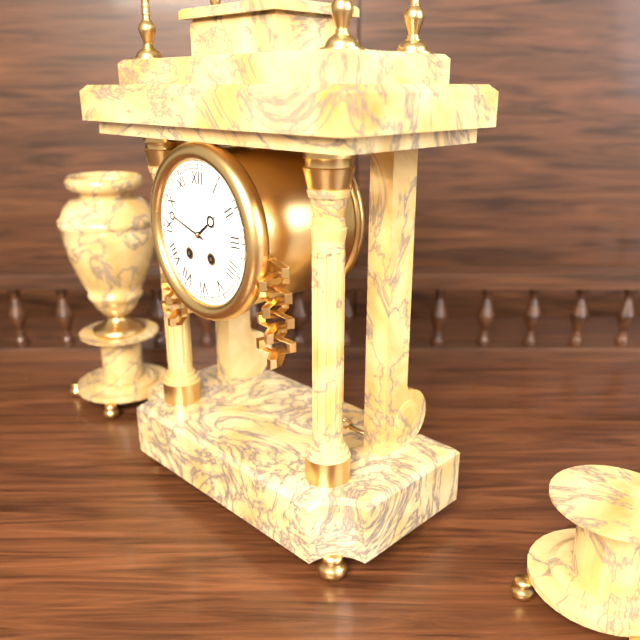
**1:48**
